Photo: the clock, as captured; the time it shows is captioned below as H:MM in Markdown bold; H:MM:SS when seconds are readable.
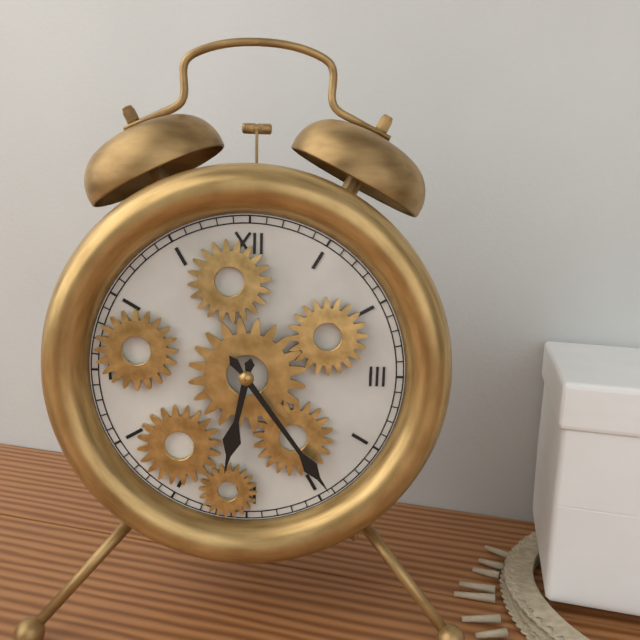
**6:24**
